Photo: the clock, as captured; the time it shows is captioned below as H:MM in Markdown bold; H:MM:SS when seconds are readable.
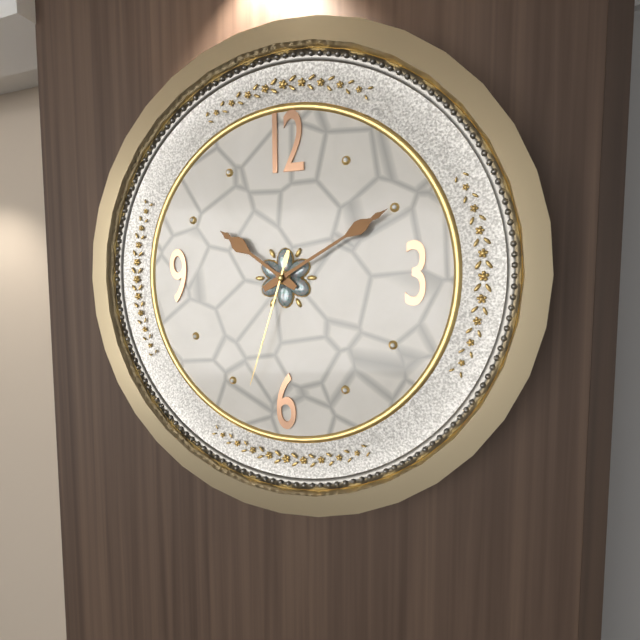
**10:10:33**
